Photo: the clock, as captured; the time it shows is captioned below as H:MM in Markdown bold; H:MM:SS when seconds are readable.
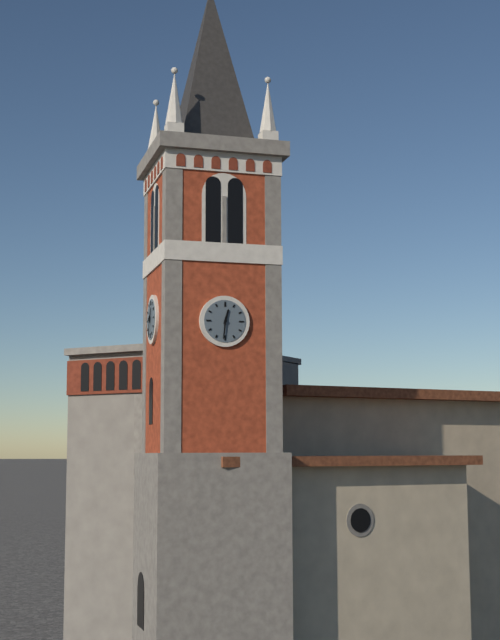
**12:31**
